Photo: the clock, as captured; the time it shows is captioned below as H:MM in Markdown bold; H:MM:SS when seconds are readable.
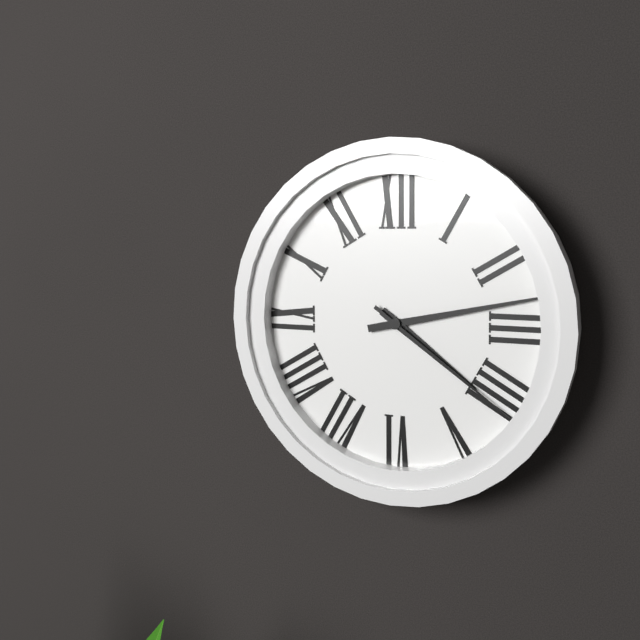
**4:13:21**
